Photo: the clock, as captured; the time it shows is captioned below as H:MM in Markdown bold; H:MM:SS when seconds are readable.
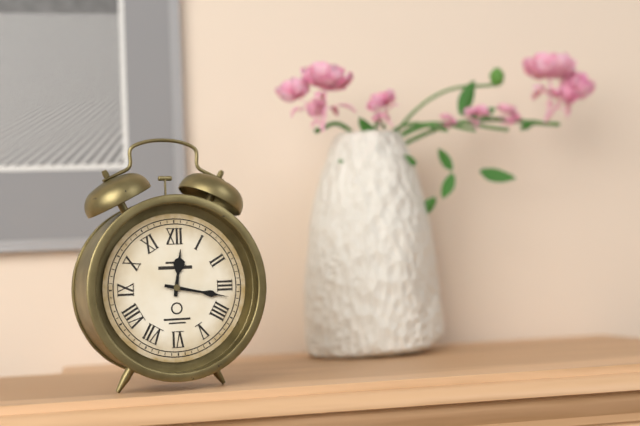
**12:17**
